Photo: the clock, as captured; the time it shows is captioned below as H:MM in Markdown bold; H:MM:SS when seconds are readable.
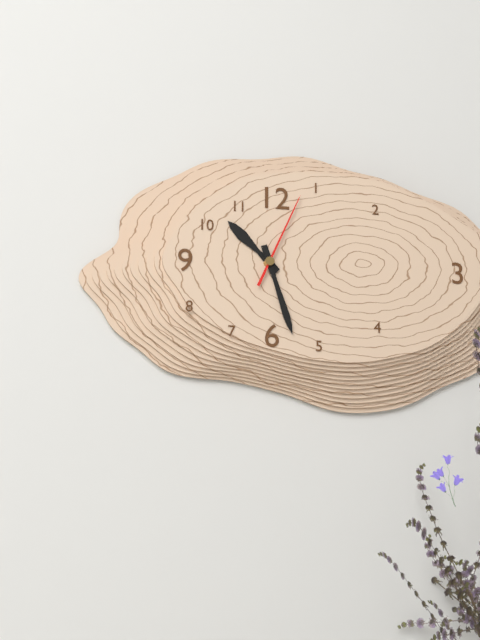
**10:27:04**
